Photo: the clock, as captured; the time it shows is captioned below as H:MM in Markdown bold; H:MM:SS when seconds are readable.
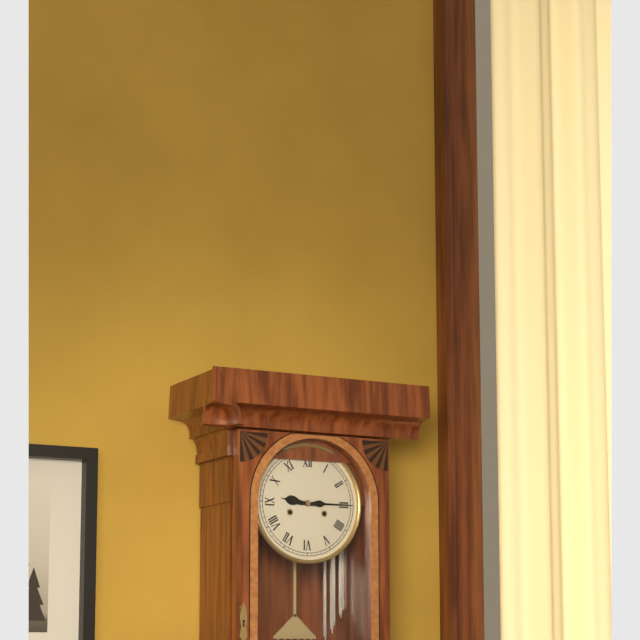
**9:15**
